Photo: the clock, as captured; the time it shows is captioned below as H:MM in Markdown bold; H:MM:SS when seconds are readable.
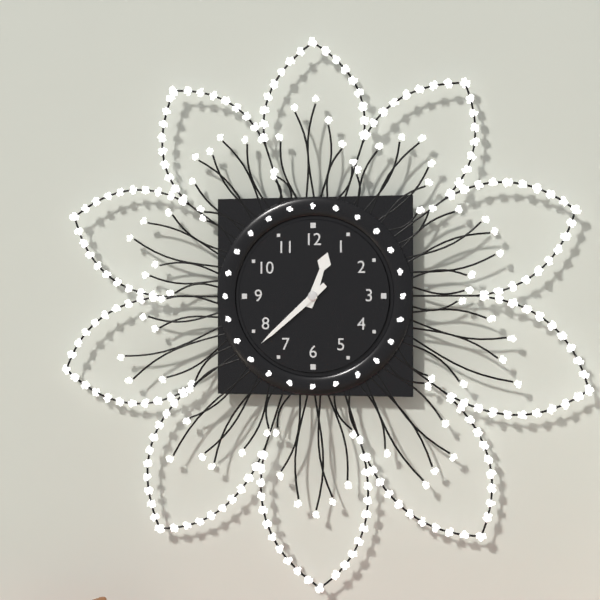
**12:38**
